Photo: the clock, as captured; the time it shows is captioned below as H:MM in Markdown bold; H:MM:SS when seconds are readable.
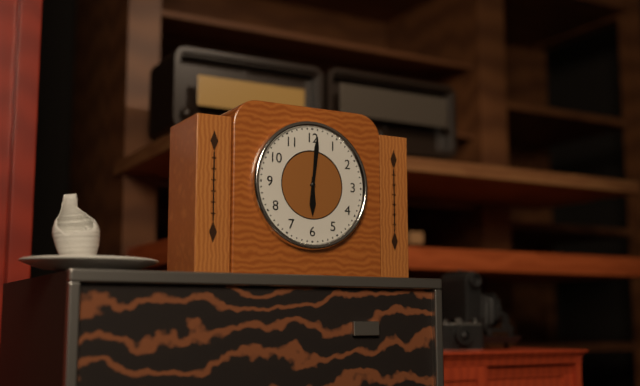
**6:01**
